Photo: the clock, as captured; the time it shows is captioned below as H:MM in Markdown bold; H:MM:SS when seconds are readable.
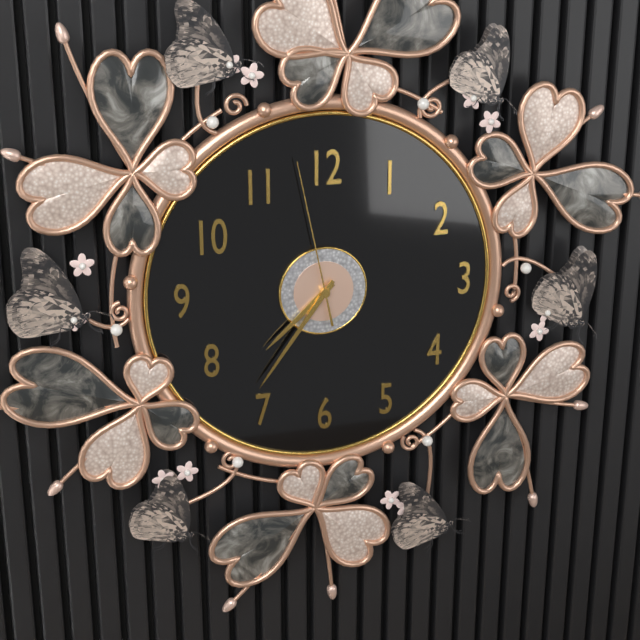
**7:36:58**
